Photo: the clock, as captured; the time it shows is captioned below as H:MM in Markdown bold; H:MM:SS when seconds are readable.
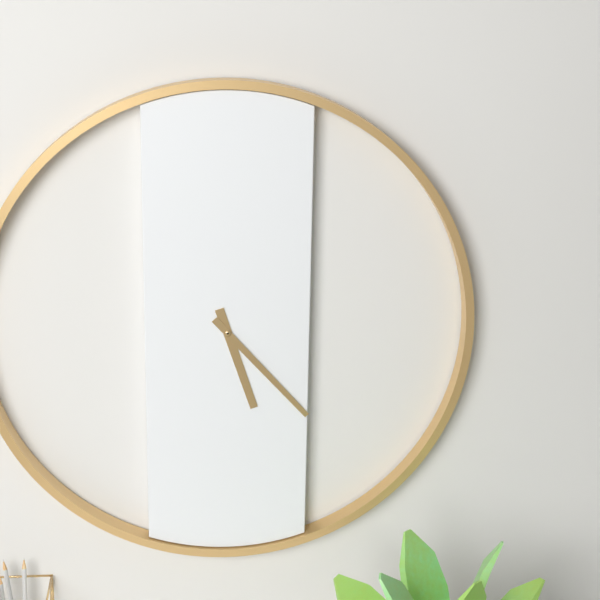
**5:23**
